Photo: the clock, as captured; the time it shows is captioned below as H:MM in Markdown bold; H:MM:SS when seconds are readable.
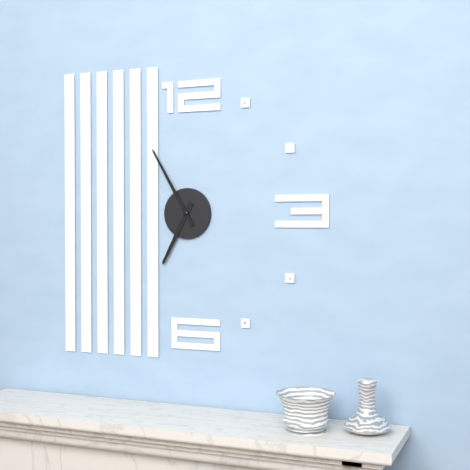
**6:55**
